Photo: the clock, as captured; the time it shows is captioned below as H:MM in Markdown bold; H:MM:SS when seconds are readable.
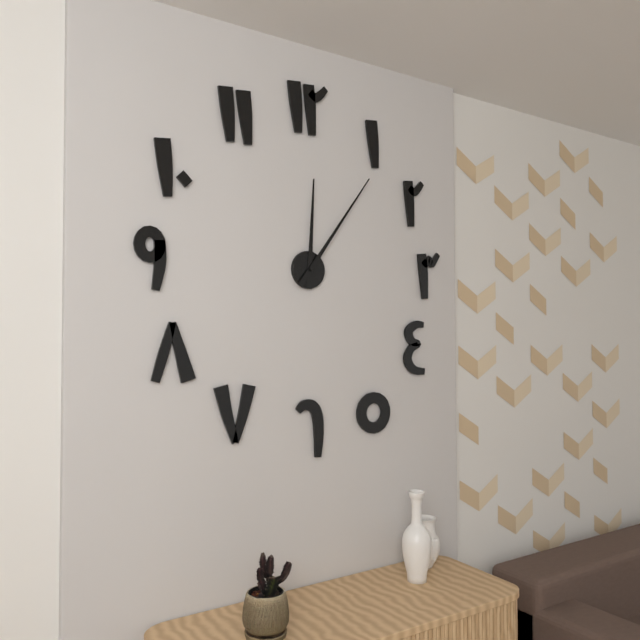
**12:06**
